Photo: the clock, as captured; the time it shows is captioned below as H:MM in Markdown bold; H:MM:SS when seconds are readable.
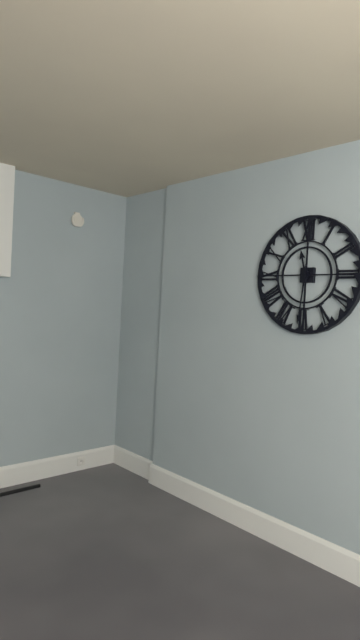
**11:31**
